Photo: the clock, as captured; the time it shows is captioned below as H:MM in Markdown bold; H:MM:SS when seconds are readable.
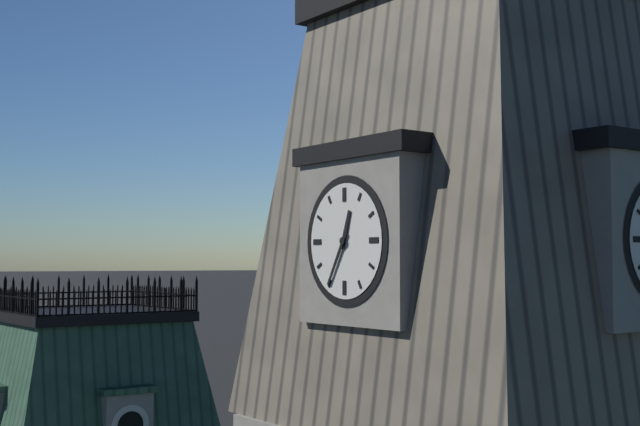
**12:35**
